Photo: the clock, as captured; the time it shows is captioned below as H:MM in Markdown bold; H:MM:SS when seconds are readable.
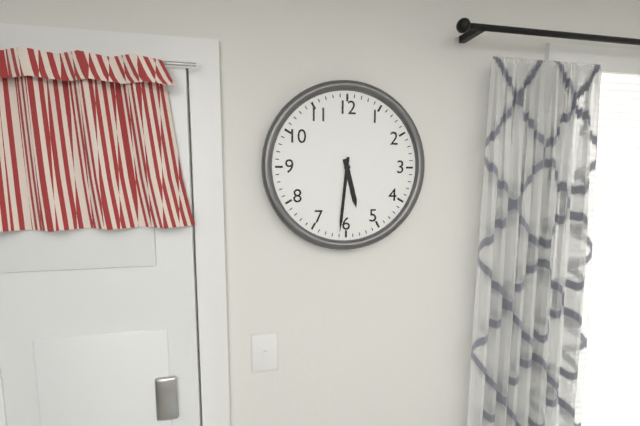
**5:31**
